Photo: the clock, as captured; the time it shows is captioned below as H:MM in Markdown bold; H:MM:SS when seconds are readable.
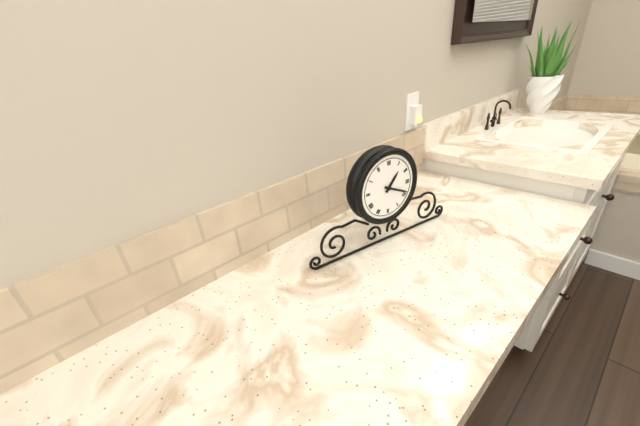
**1:19**
